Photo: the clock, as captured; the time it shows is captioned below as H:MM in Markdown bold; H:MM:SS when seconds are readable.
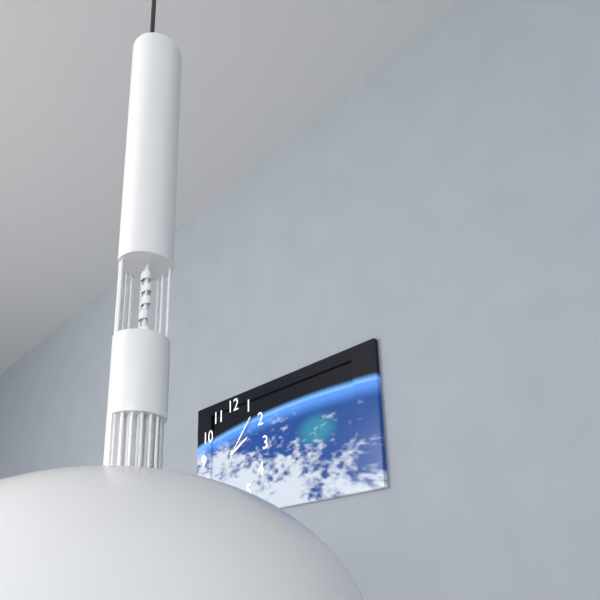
**2:07**
